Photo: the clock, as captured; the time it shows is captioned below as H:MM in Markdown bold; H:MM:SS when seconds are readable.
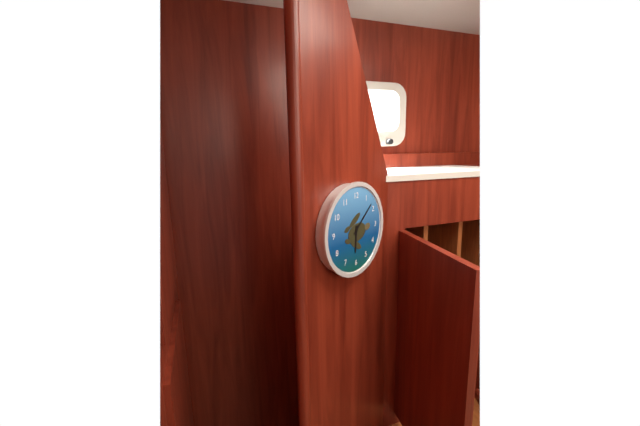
**6:08**
